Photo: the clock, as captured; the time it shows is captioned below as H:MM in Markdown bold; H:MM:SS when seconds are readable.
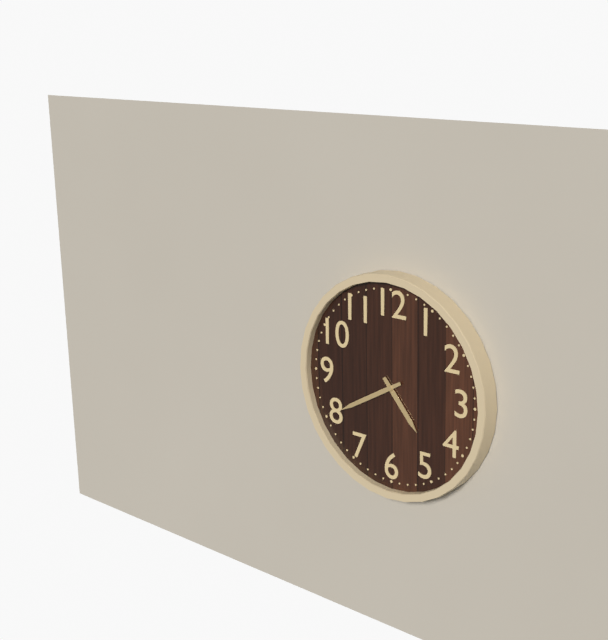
**4:40**
